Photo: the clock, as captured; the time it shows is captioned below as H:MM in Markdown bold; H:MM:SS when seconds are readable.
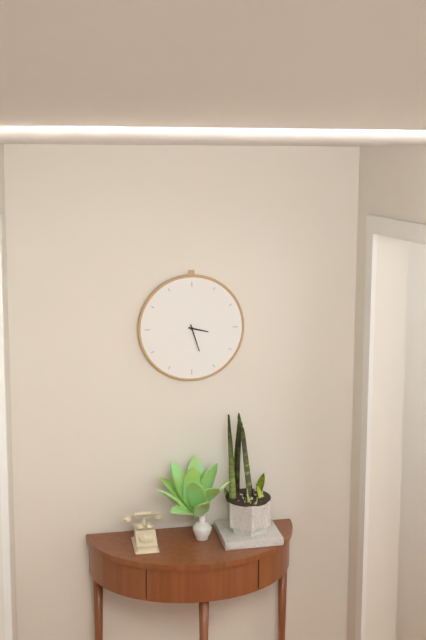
**3:27**
